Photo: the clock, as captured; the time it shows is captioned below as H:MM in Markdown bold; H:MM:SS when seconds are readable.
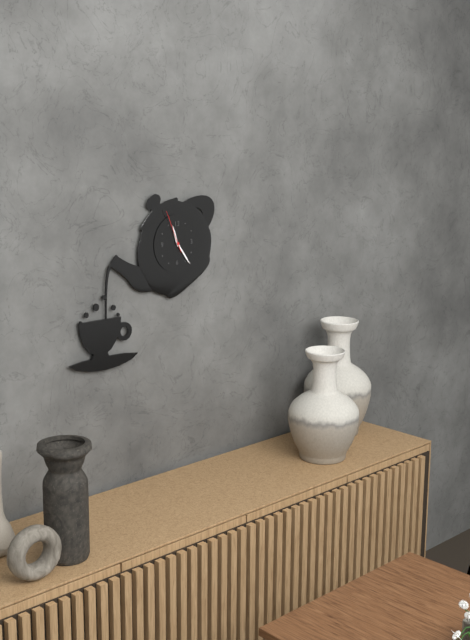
**11:24**
